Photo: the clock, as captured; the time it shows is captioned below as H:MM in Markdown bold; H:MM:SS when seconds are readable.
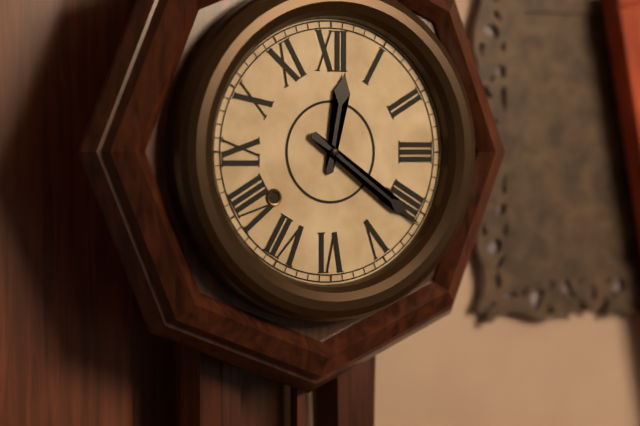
**12:21**
